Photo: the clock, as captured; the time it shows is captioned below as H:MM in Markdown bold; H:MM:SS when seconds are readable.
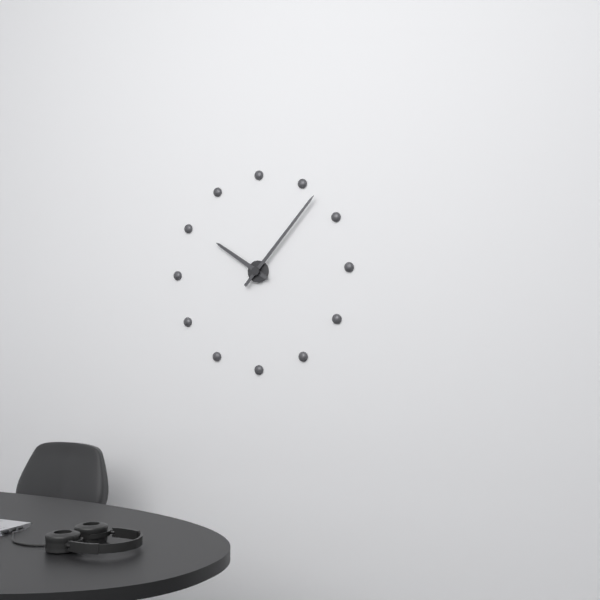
**10:07**
